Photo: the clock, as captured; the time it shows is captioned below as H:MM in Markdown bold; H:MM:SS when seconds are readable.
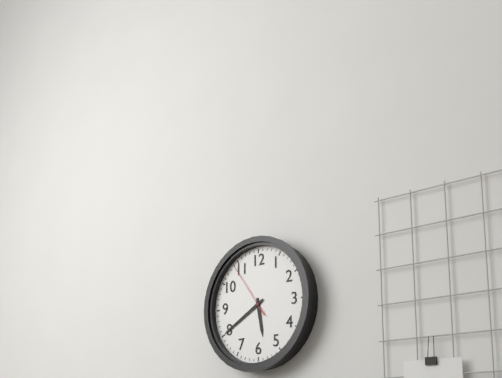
**5:40:54**
